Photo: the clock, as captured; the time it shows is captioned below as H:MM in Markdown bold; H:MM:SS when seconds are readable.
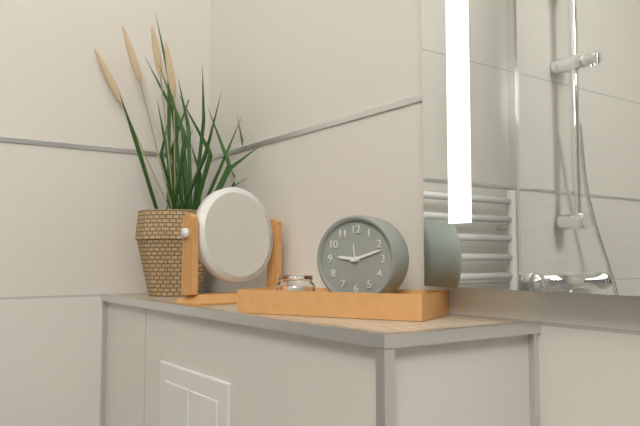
**9:12**
